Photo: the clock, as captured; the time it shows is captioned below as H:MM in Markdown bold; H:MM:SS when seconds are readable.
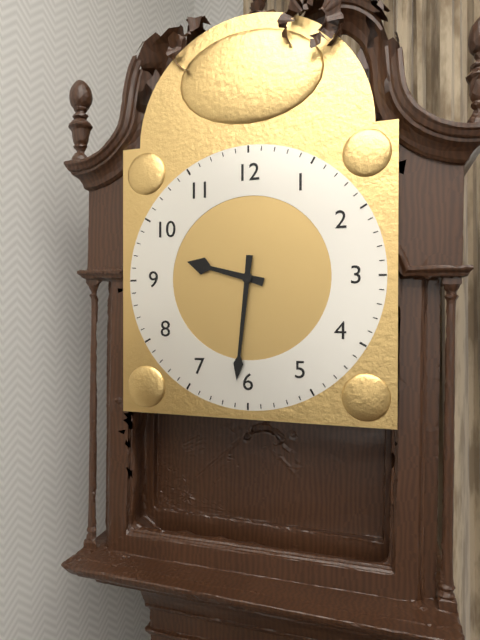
**9:31**
